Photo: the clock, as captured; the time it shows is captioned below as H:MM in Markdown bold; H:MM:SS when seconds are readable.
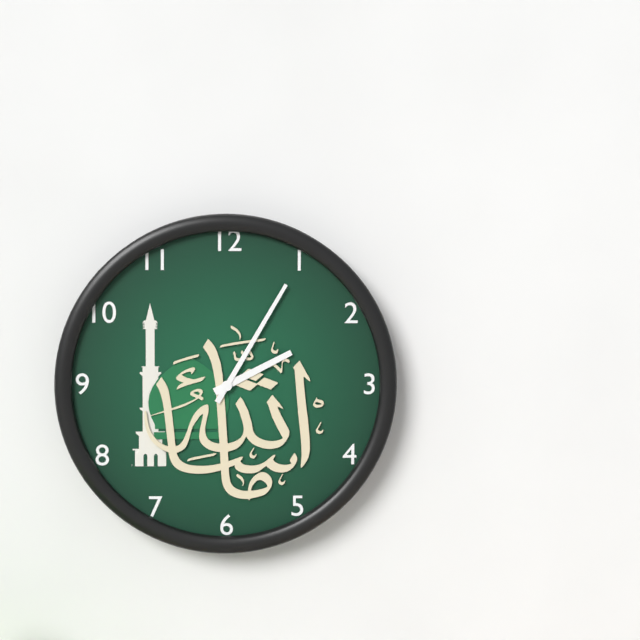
**2:05**
